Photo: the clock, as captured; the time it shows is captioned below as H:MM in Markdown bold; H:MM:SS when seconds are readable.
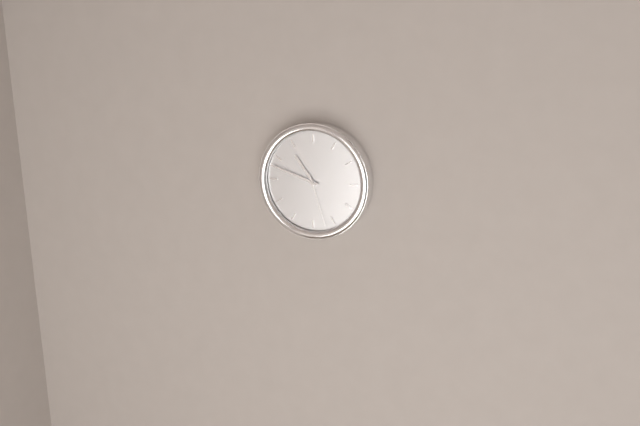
**10:48:27**
